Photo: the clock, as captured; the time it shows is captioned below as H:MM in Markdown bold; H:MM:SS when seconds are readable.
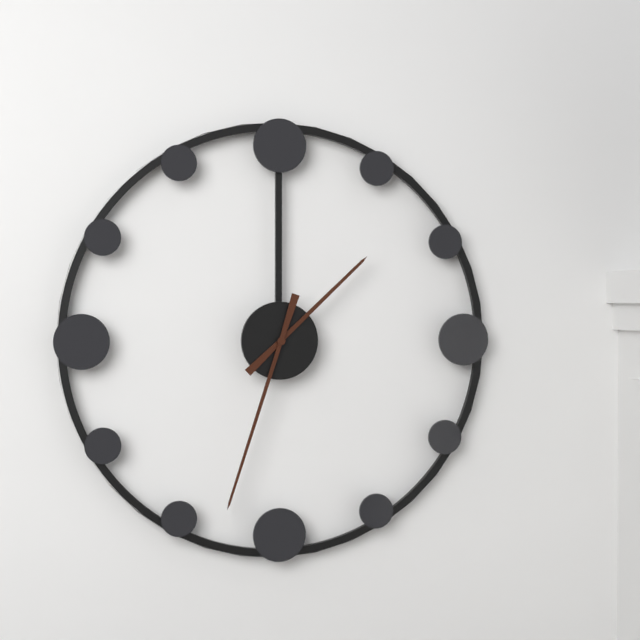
**1:33**
